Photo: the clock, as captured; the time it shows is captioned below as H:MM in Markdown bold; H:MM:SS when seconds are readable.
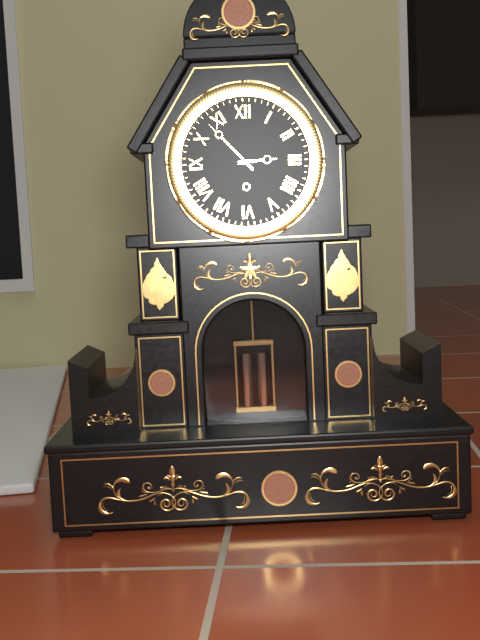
**2:53**
